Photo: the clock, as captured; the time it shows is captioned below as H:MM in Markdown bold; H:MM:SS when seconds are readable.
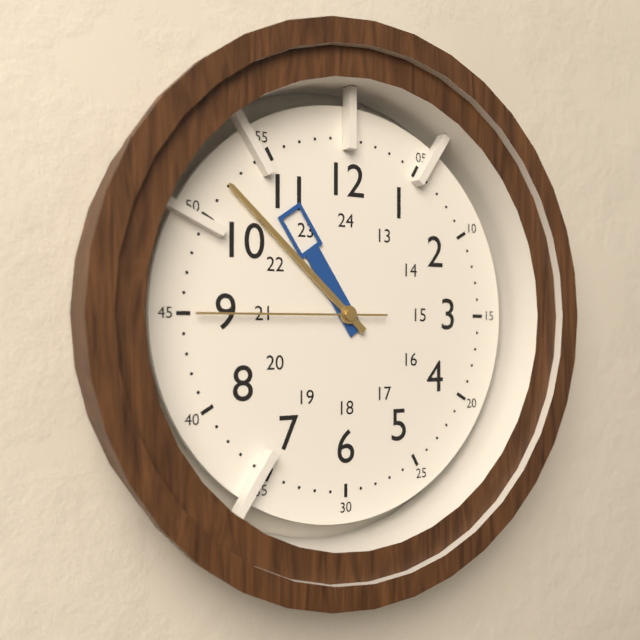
**10:52:45**
